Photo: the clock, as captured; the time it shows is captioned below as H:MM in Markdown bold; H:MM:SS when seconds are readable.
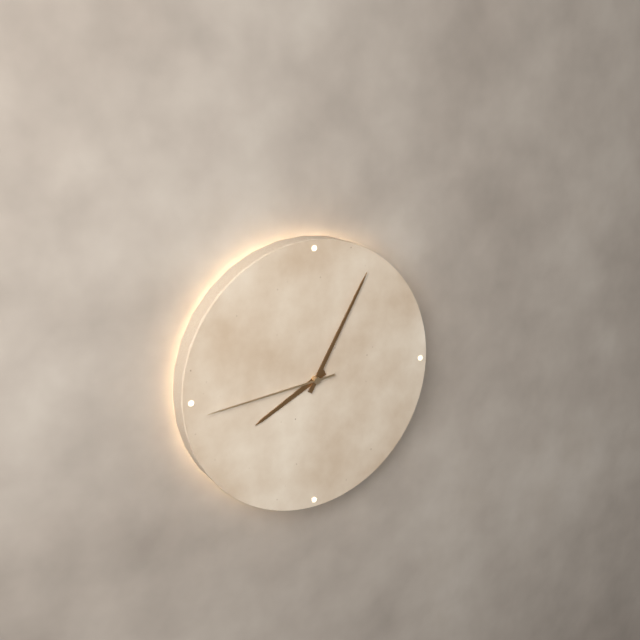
**8:05:44**
